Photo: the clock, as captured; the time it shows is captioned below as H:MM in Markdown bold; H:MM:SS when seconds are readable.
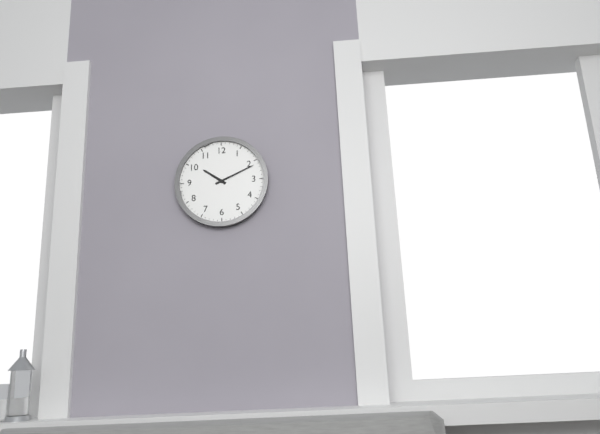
**10:11**
